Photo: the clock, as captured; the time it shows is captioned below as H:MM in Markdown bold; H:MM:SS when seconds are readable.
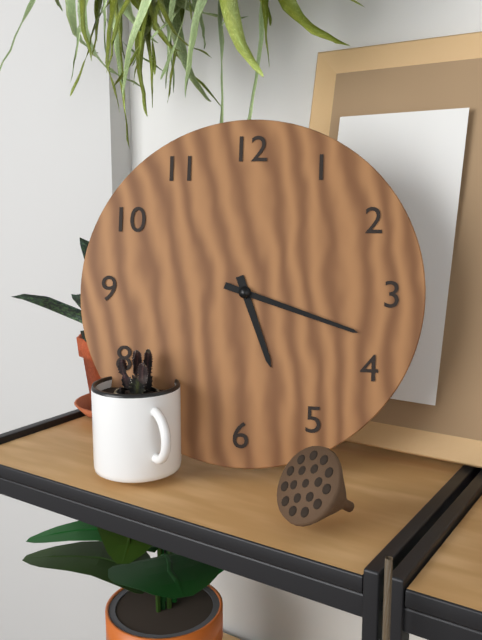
**5:18**
